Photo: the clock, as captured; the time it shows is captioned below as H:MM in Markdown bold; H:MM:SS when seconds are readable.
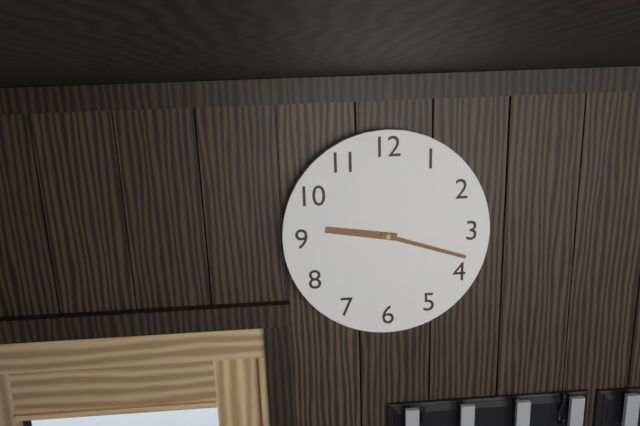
**9:18**
